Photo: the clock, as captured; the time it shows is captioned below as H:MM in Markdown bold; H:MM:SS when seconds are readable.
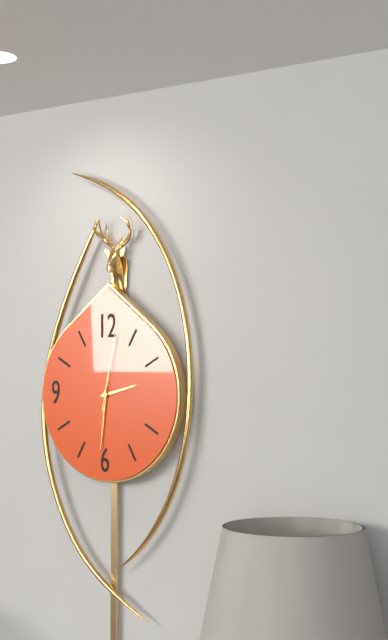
**2:31:02**
